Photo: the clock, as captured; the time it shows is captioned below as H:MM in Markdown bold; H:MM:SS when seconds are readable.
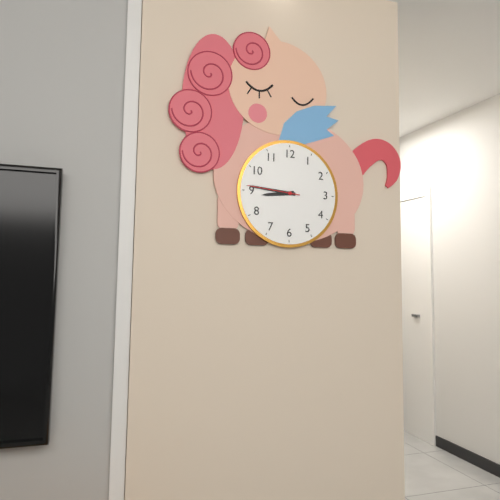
**8:46:46**
